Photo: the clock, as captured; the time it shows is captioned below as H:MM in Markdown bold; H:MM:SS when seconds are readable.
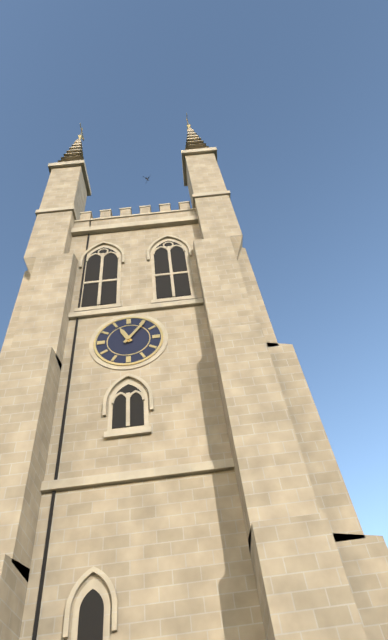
**11:06**
